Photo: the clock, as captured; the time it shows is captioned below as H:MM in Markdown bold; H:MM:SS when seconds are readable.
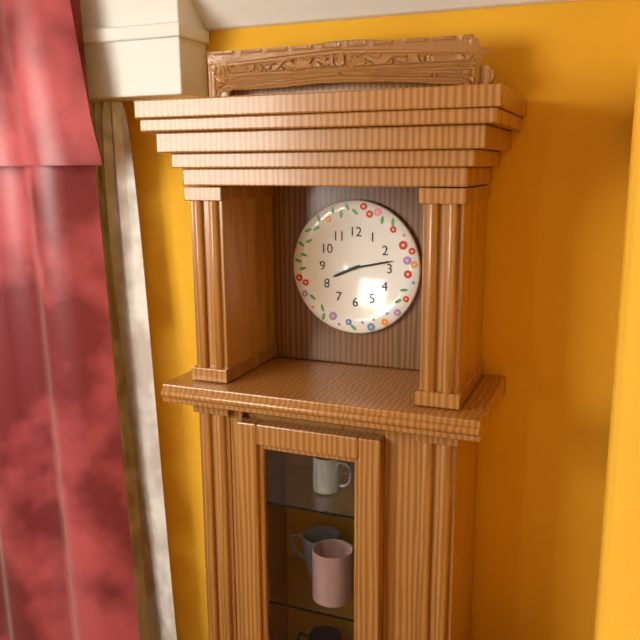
**8:13**
